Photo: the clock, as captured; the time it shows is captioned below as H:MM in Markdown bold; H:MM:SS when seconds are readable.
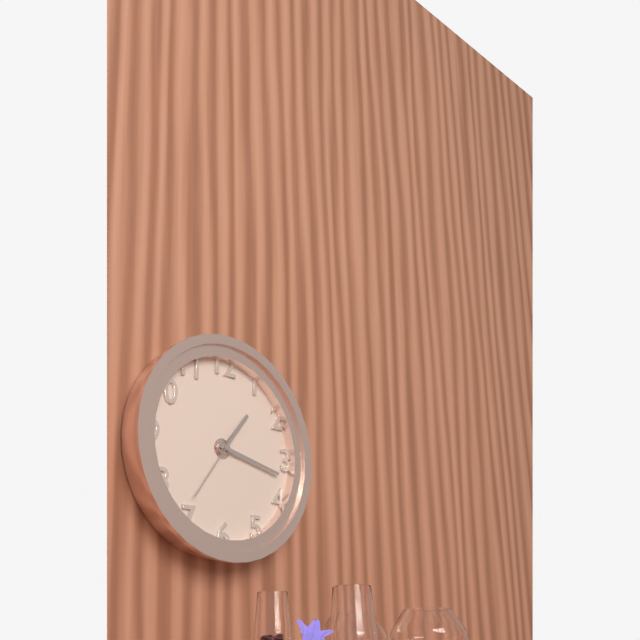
**1:17:36**
